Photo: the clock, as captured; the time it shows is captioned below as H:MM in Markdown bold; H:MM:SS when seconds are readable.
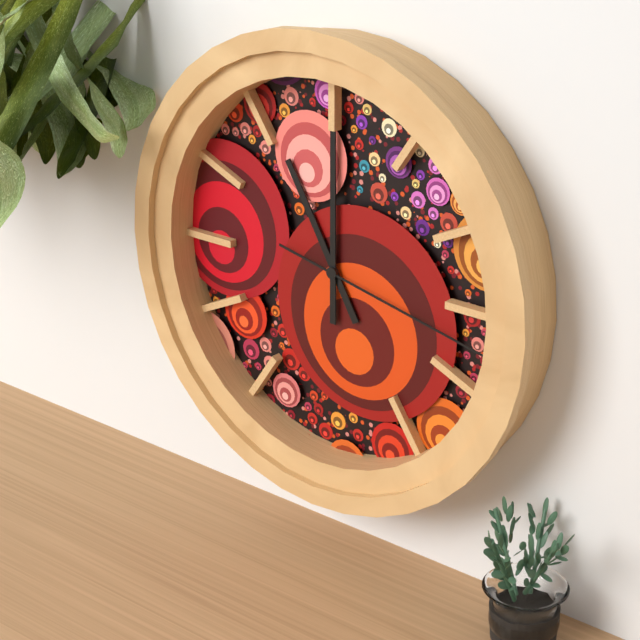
**11:00:17**
